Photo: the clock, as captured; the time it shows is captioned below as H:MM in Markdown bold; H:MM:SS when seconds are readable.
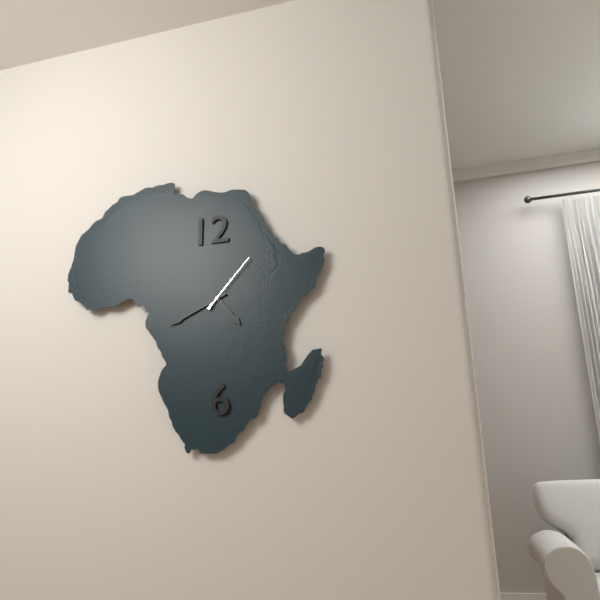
**4:41:07**
